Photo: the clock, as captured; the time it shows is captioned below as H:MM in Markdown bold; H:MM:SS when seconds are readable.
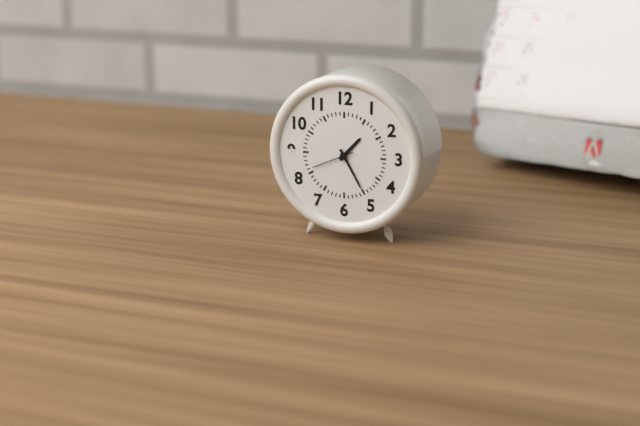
**1:25**
